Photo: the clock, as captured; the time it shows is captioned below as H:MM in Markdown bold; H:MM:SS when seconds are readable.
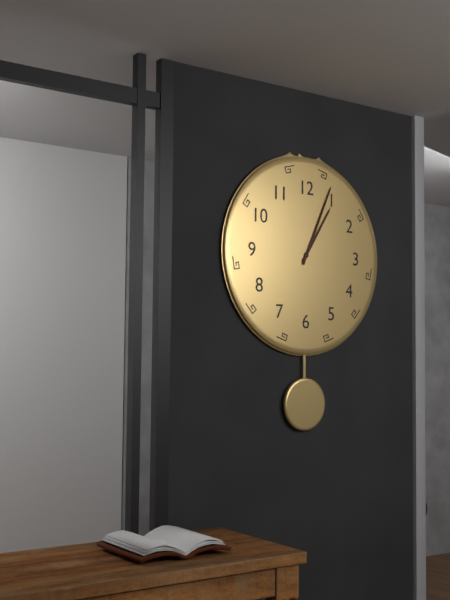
**1:04**
